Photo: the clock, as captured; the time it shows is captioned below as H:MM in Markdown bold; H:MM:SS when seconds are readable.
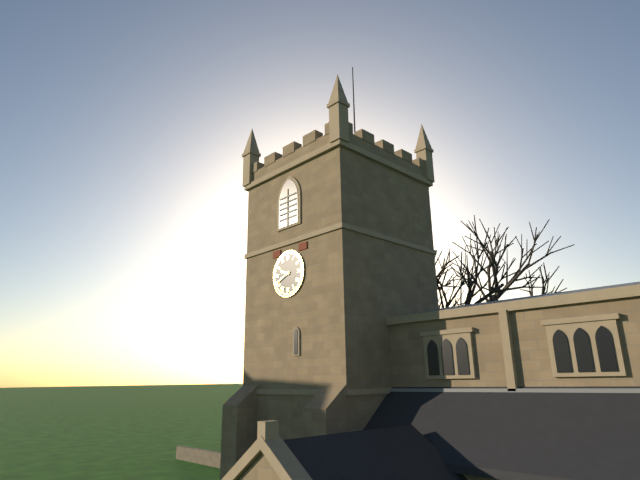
**9:41**
